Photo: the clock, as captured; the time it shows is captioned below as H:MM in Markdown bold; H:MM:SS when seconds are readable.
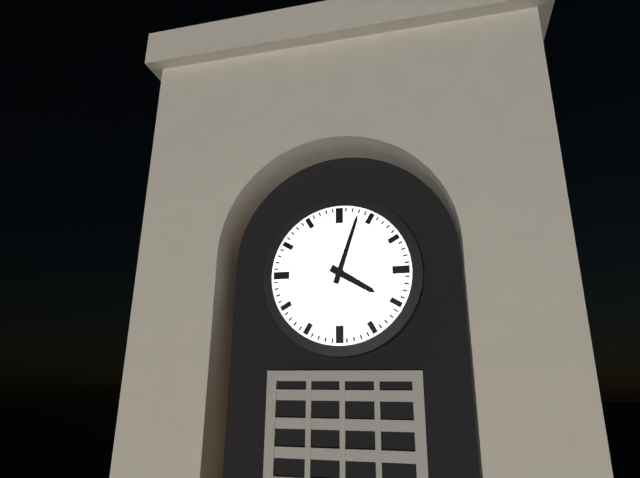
**4:03**
